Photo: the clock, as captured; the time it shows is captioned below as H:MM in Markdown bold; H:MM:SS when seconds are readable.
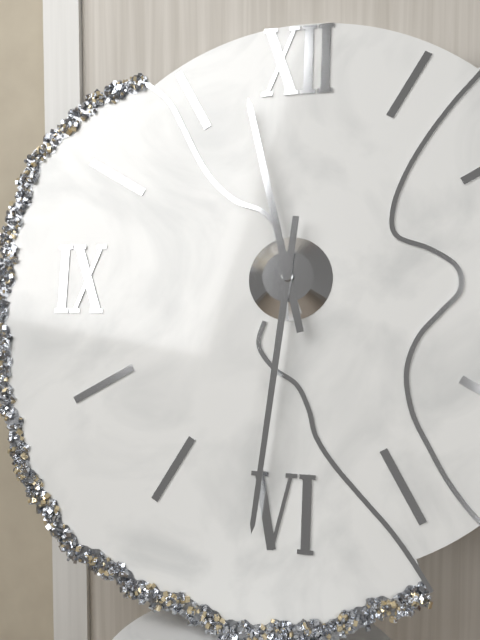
**11:31**
